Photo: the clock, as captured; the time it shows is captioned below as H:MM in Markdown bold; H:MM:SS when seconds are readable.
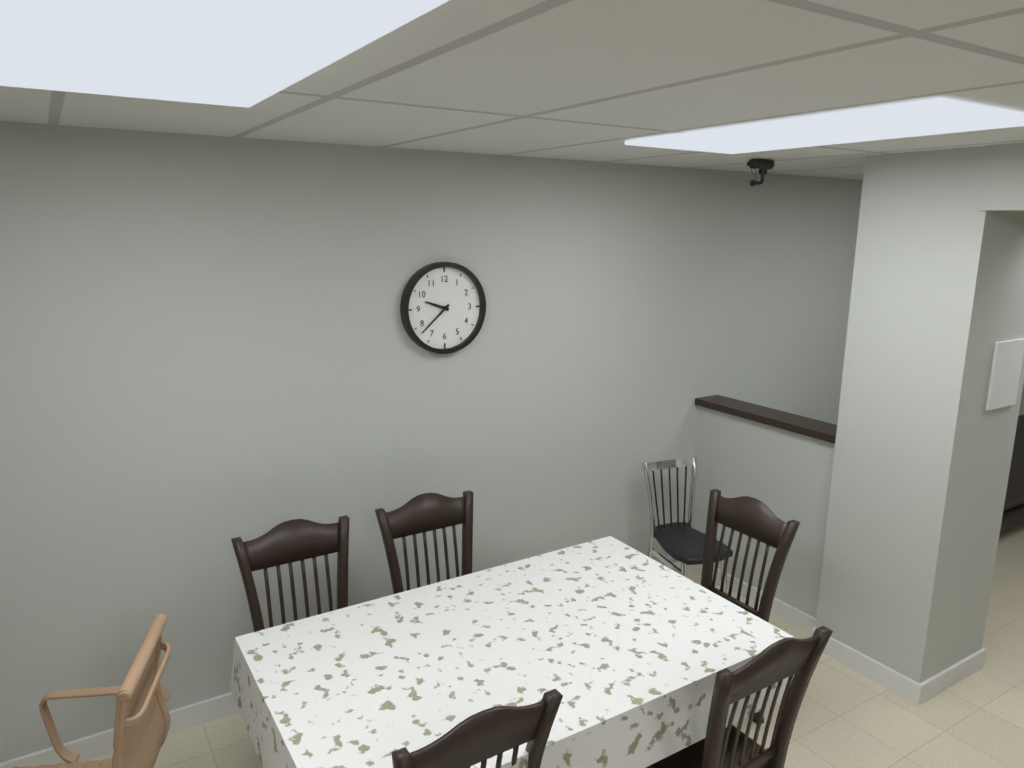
**9:38**
